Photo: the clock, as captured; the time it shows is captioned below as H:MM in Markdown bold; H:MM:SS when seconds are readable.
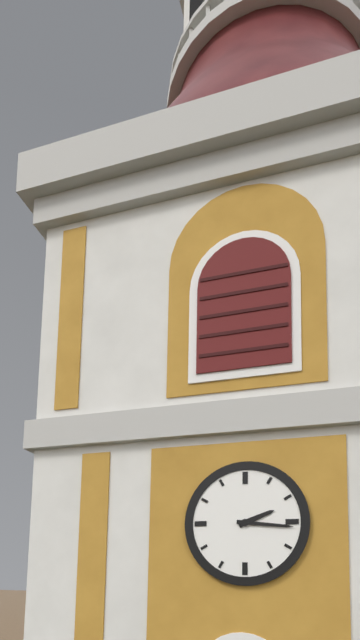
**2:16**
